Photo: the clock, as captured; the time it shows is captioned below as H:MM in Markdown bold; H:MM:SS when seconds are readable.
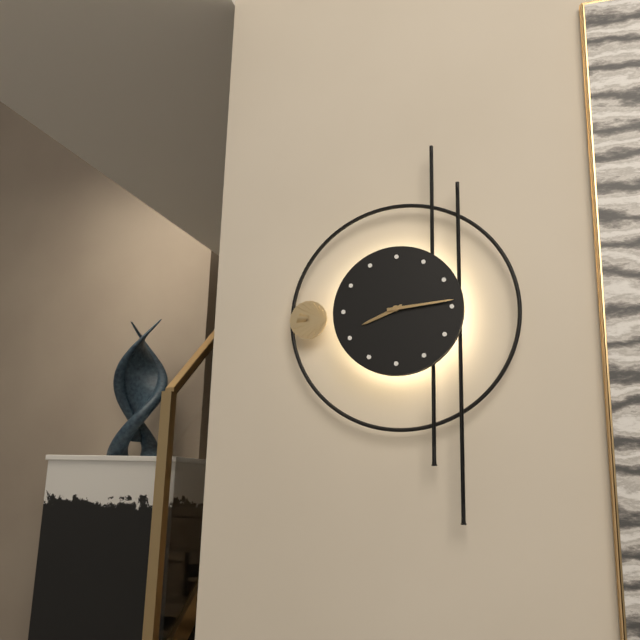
**8:14**
